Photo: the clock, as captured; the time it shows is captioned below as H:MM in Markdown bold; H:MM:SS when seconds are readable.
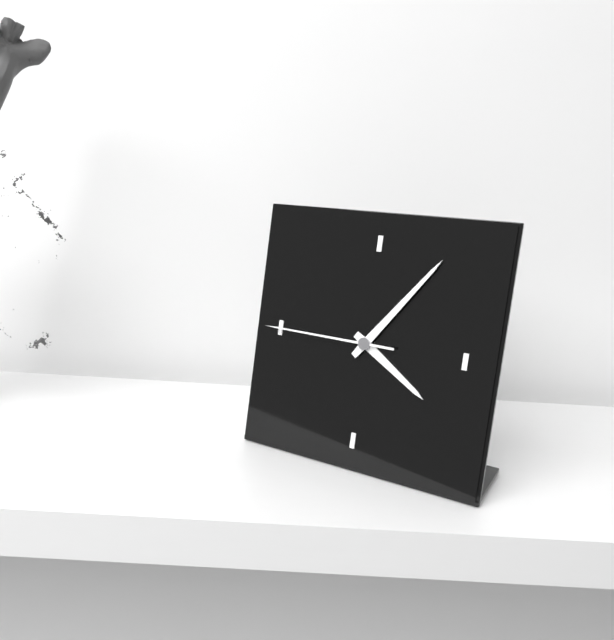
**4:06:45**
